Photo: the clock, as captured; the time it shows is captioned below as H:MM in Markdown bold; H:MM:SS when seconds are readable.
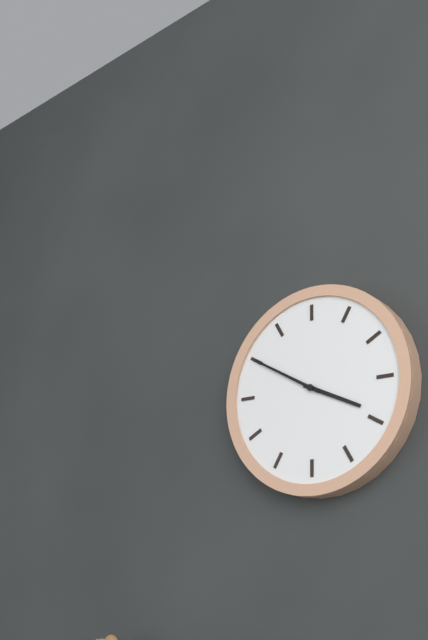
**3:50**
